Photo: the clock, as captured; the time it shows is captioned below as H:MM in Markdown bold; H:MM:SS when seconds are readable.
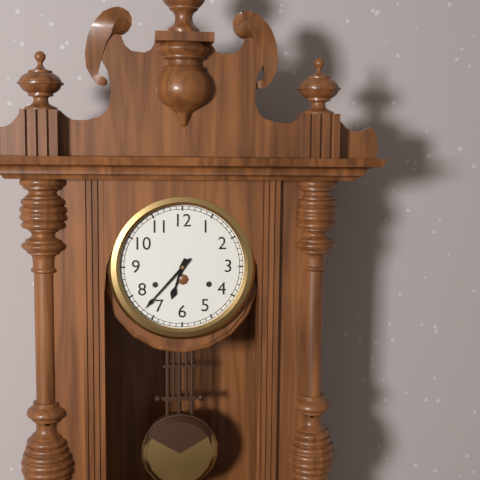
**6:37**
